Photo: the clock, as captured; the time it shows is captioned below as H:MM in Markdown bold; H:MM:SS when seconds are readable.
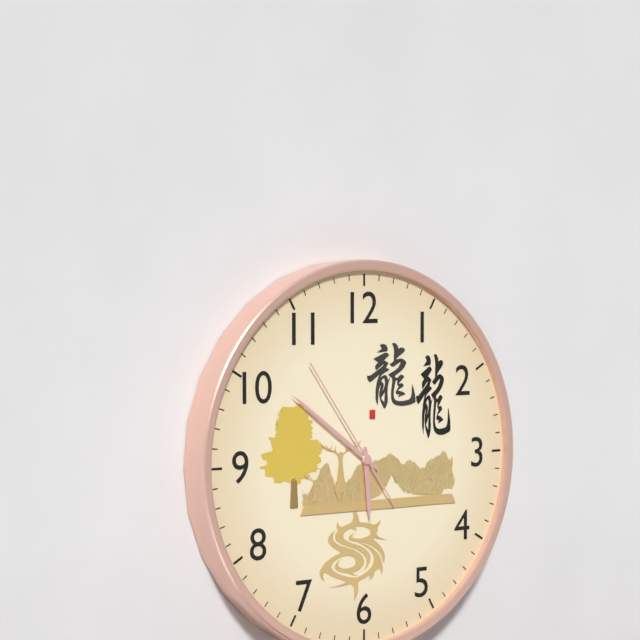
**5:51:54**
